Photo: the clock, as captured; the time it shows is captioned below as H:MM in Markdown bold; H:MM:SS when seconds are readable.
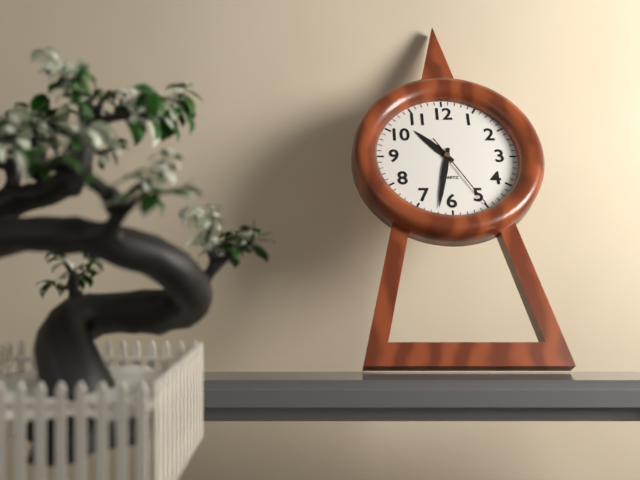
**10:32:25**
